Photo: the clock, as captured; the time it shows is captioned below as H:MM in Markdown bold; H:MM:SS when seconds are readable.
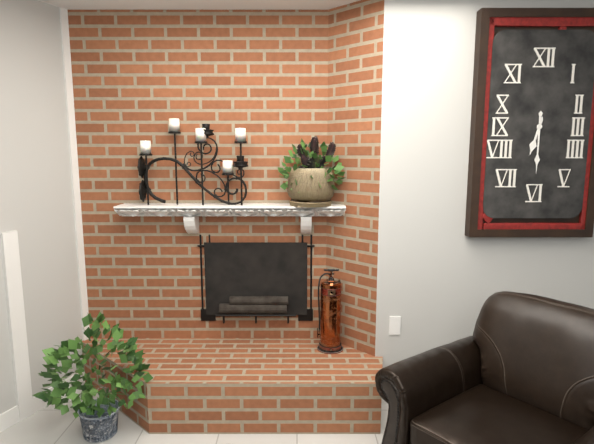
**6:30**
